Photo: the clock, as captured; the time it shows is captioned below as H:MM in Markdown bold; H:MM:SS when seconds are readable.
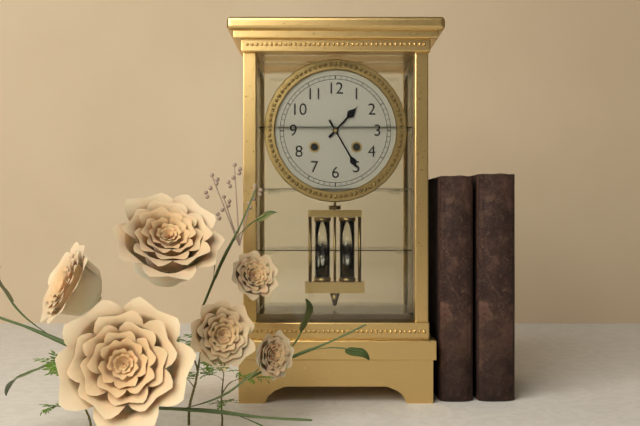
**1:25**
